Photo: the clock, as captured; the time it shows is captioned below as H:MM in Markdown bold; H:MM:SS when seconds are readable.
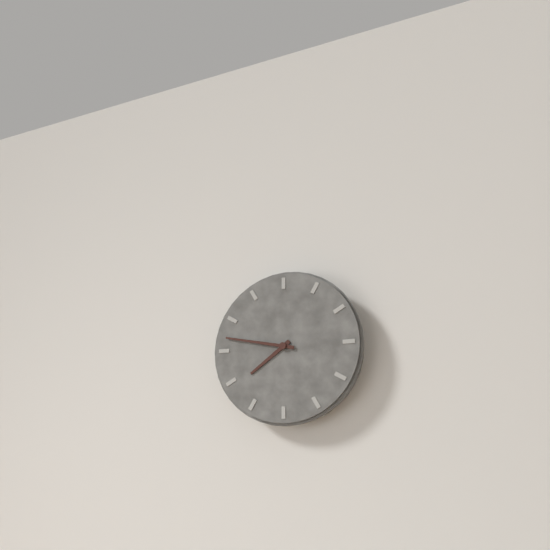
**7:47**
